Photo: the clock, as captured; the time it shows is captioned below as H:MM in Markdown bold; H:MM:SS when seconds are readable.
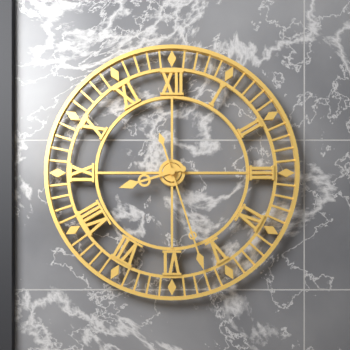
**8:27**
